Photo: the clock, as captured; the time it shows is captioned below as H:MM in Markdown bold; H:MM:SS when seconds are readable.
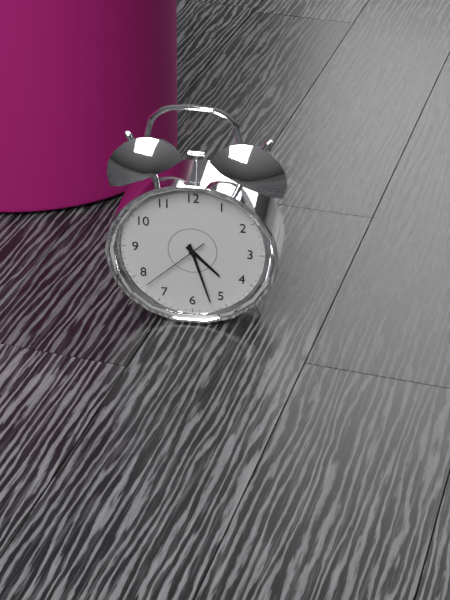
**4:27:38**
